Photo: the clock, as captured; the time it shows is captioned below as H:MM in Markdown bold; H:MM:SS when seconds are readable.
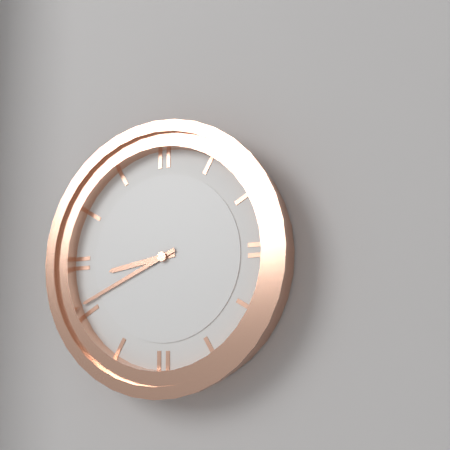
**8:41**
